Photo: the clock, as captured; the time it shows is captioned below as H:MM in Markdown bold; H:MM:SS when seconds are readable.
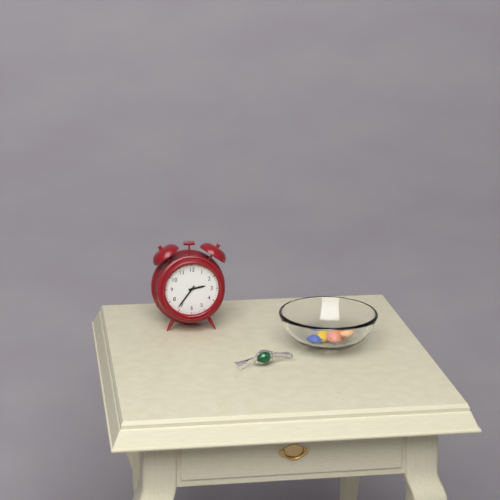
**2:36**
